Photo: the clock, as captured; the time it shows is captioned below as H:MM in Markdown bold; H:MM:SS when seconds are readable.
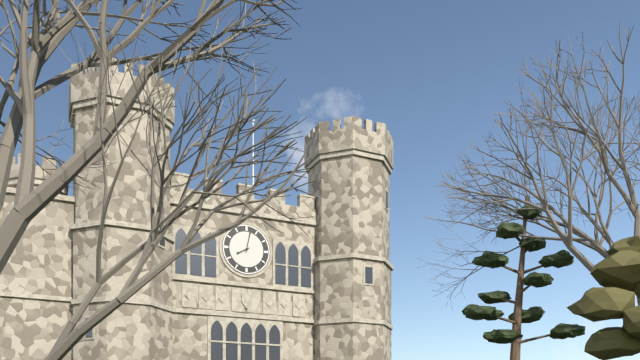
**8:02**
